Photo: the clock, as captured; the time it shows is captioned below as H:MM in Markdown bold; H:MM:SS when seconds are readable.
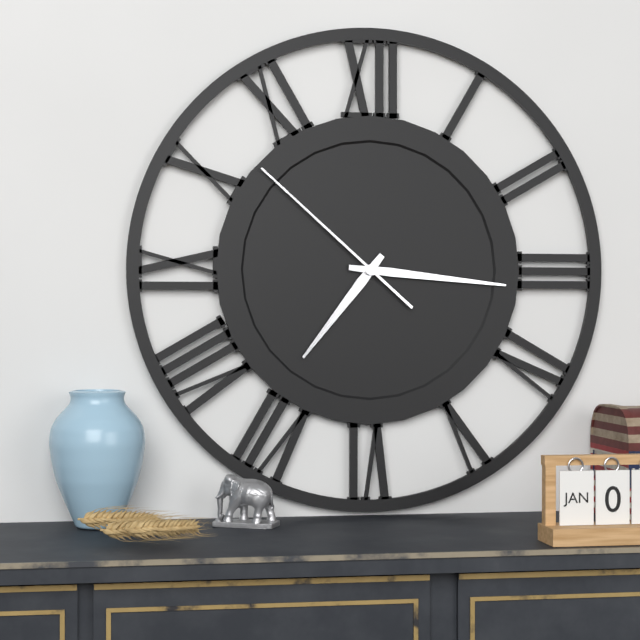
**7:16:52**
